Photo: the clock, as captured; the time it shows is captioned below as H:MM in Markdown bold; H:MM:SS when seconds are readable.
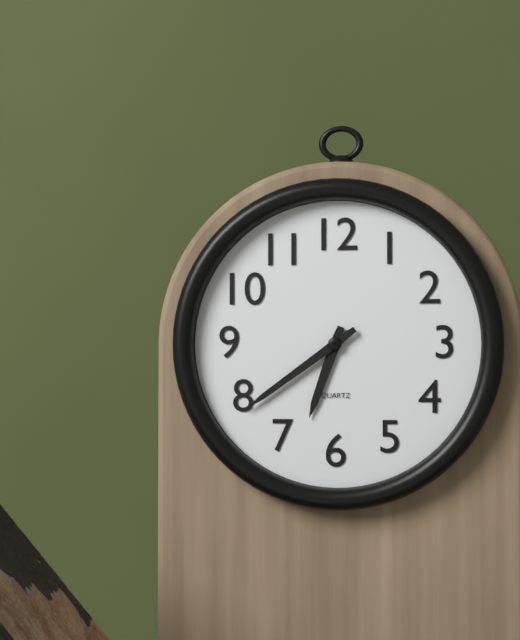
**6:39**
